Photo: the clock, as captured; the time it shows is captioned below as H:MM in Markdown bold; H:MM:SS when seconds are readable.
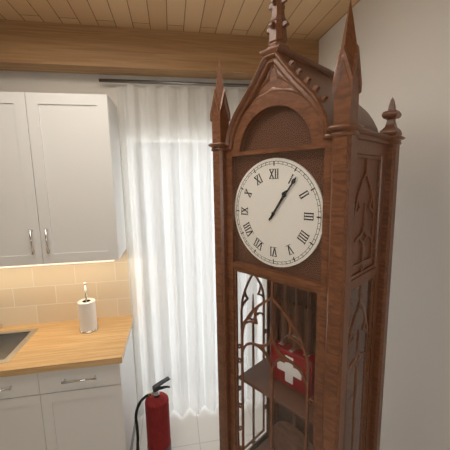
**1:06**
